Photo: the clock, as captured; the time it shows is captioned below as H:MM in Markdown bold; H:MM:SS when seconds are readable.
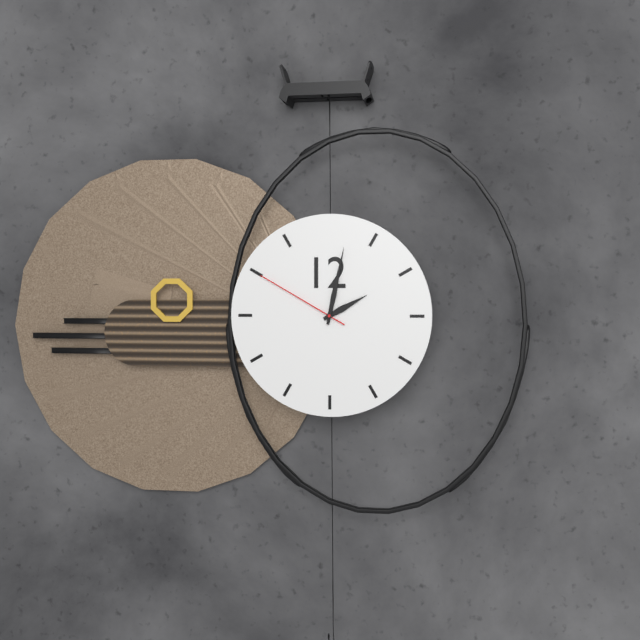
**2:02:50**
